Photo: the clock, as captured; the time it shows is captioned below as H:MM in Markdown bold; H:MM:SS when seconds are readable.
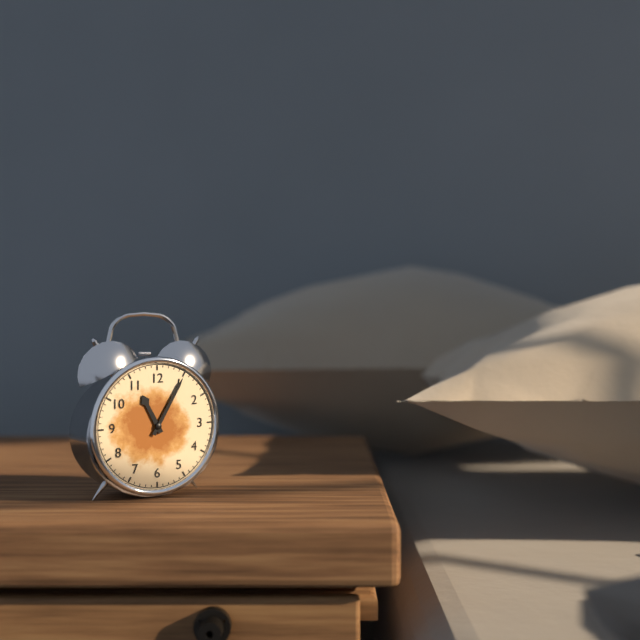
**11:05**
